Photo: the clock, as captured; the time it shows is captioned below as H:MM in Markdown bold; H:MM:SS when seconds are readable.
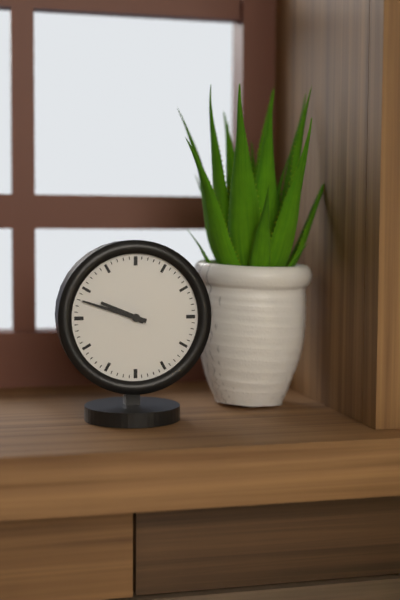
**9:48**
